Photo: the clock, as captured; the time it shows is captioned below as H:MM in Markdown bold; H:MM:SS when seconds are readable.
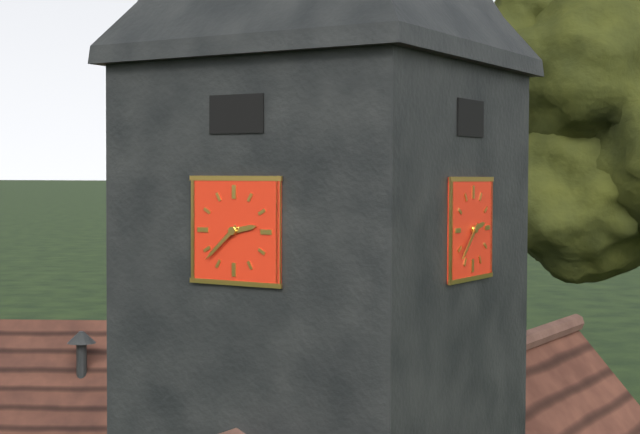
**2:38**
